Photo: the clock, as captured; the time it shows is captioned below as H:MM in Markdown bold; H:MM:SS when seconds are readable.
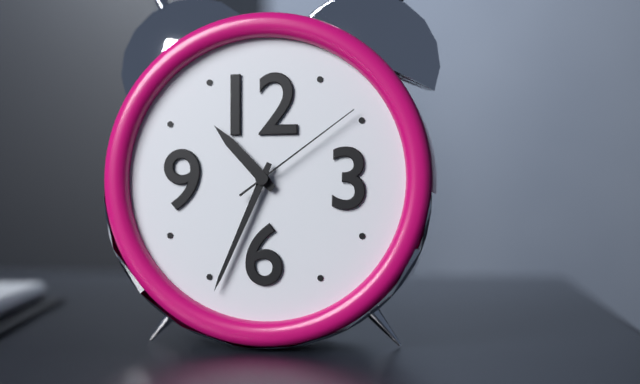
**10:34:09**
